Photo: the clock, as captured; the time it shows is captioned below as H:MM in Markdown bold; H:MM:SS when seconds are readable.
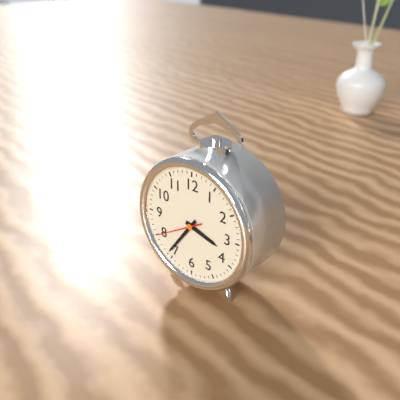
**3:36**
